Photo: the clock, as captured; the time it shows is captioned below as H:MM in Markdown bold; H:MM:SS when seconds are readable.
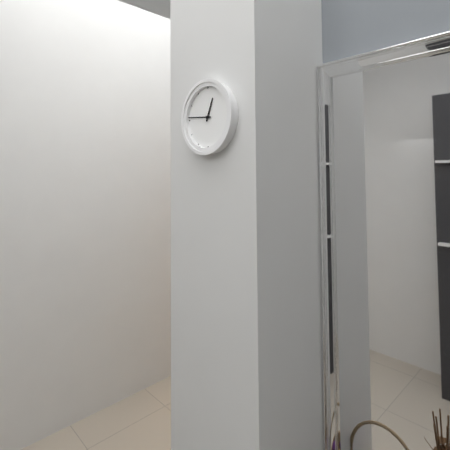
**12:46**
